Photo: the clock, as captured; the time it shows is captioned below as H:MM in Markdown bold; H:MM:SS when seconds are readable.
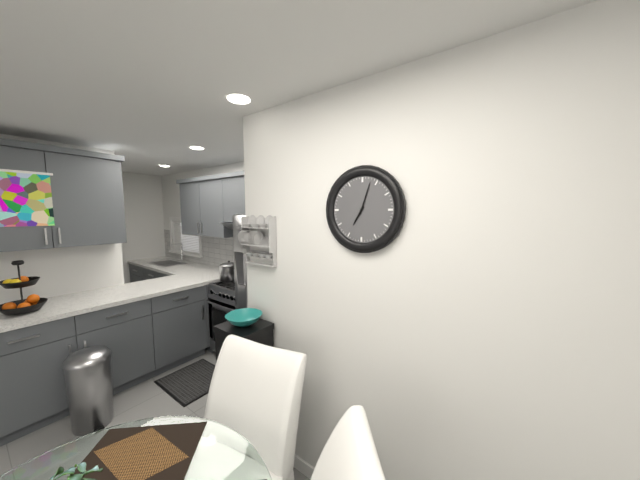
**7:03**
